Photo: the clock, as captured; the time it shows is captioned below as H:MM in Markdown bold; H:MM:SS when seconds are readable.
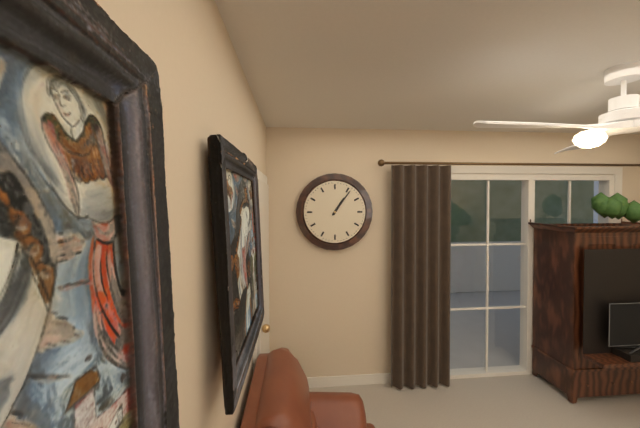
**1:06**
